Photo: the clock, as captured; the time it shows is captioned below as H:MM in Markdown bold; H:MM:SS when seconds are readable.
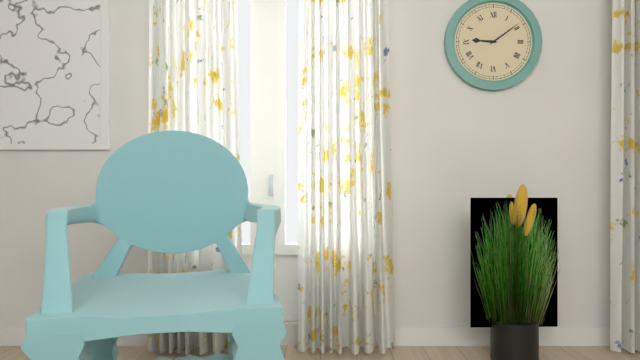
**9:09**
